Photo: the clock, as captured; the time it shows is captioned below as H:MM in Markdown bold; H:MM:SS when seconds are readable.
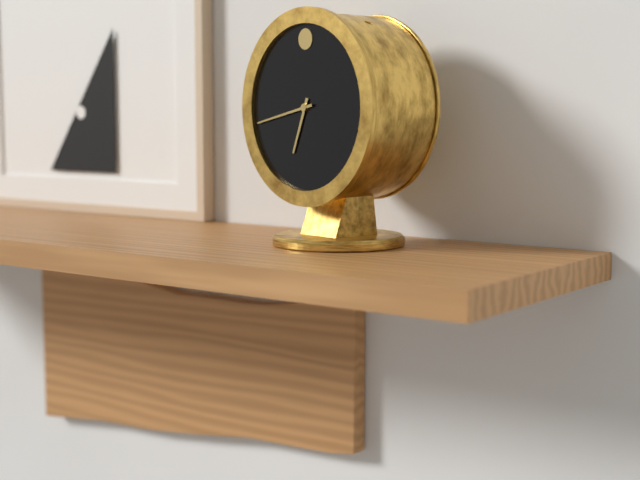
**6:43**
